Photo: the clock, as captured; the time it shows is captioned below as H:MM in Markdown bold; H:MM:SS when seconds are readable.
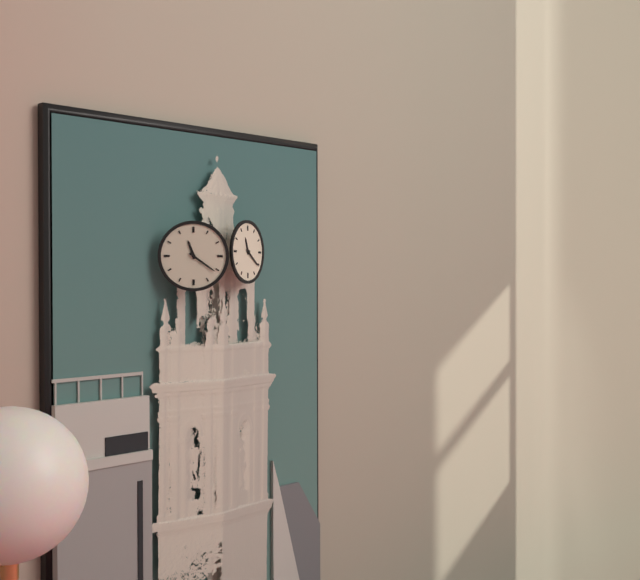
**11:21**
